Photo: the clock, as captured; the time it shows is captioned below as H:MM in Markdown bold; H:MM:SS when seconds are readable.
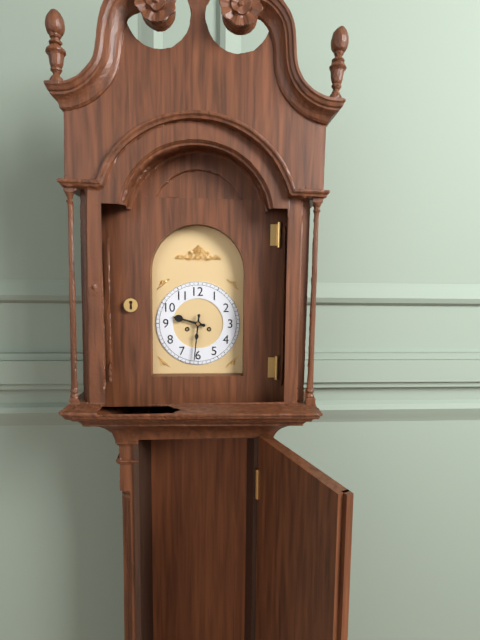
**9:31**
